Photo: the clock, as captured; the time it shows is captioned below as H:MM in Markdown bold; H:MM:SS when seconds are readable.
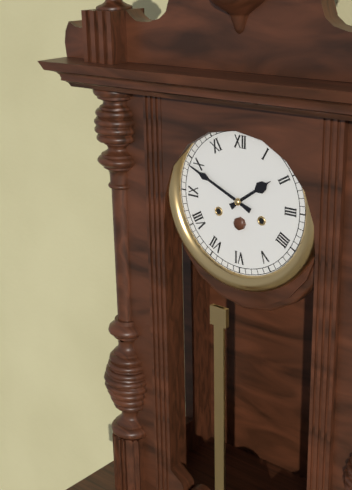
**1:49**
